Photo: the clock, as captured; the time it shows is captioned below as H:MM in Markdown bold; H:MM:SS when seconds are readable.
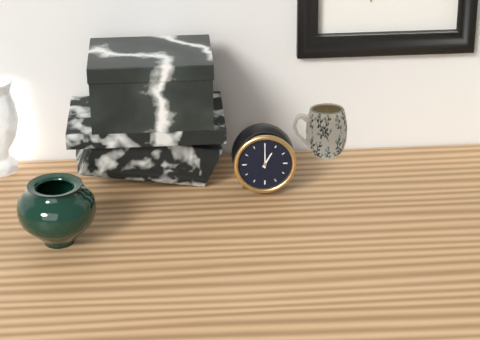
**1:00**
